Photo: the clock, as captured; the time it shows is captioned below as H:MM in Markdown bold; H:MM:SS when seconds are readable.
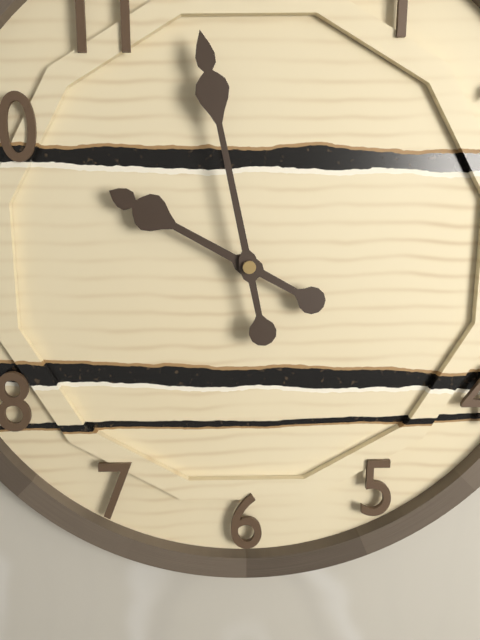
**9:58**
